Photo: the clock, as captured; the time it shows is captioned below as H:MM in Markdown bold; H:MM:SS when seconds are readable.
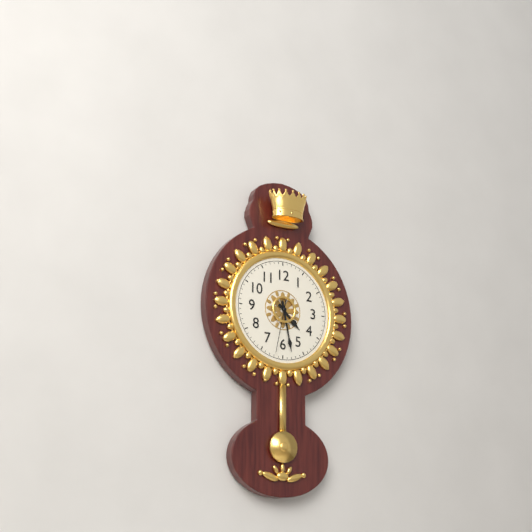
**4:28:32**
